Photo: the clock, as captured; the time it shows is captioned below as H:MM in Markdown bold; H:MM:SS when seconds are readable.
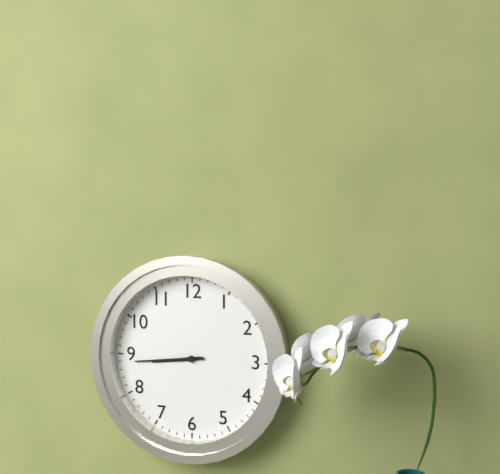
**8:44**
